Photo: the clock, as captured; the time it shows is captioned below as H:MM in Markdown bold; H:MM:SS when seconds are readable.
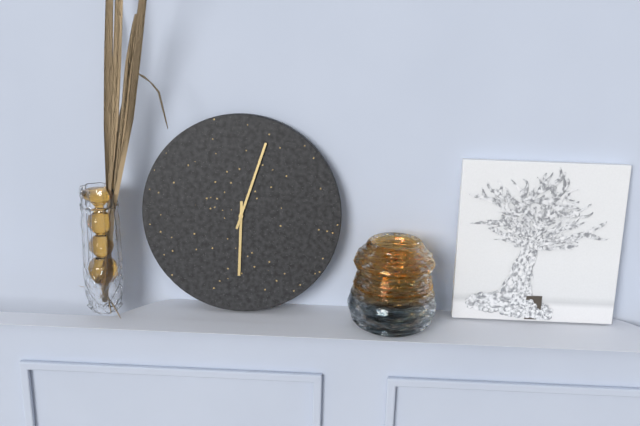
**6:03**
